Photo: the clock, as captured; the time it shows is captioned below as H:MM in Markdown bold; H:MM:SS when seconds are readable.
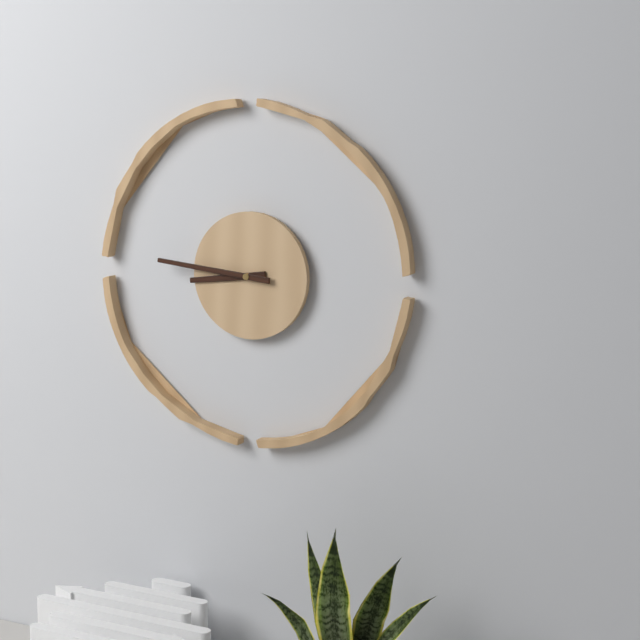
**8:46**
